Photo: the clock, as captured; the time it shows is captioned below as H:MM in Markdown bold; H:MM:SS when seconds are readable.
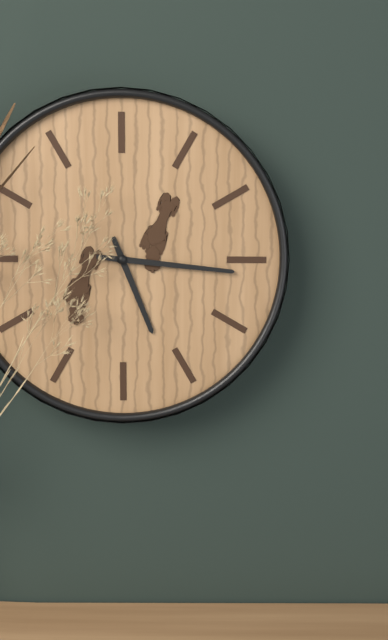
**5:16**
